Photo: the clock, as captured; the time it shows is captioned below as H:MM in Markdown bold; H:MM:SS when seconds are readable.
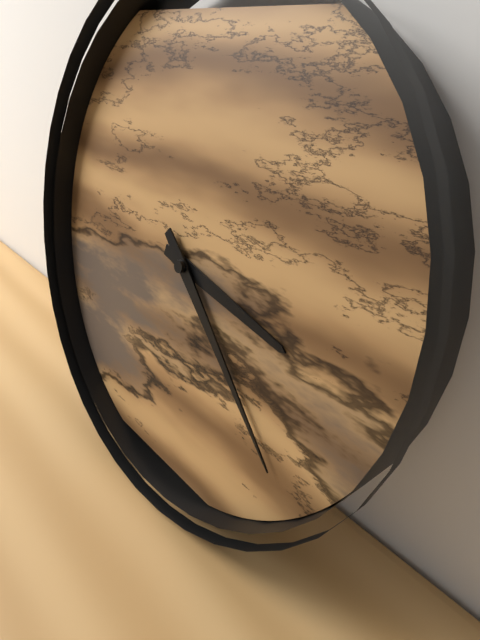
**3:22**
